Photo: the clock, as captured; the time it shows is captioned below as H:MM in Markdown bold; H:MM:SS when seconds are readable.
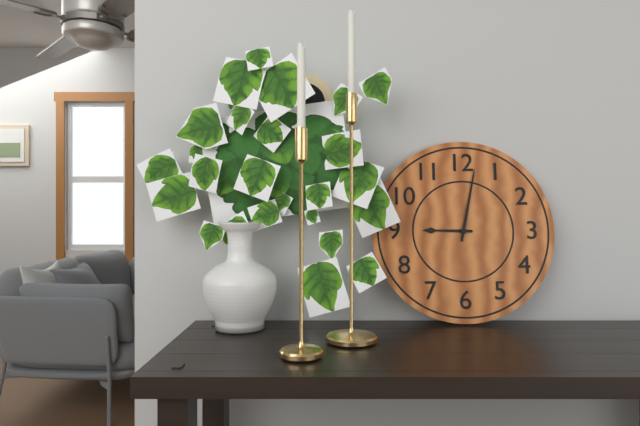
**9:02**
